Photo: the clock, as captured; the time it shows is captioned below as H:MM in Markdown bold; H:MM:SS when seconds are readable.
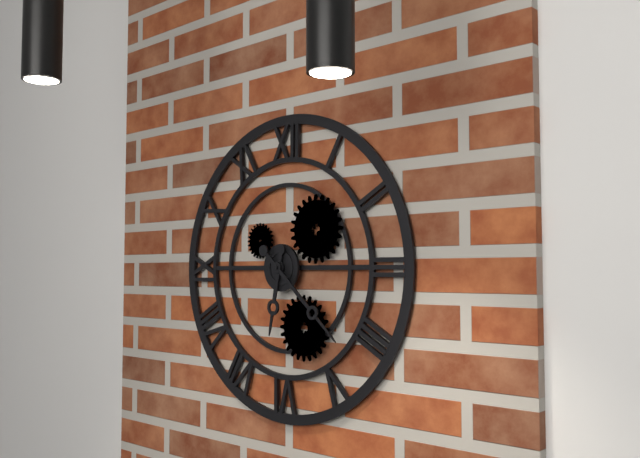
**6:22**
